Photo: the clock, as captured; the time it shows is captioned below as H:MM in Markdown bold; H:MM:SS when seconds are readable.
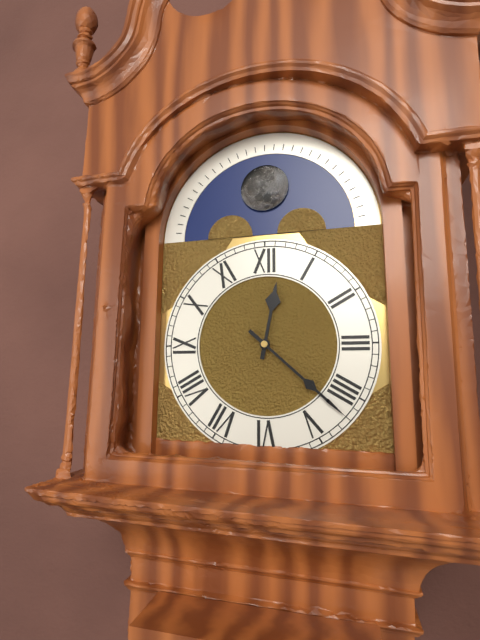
**12:22**
